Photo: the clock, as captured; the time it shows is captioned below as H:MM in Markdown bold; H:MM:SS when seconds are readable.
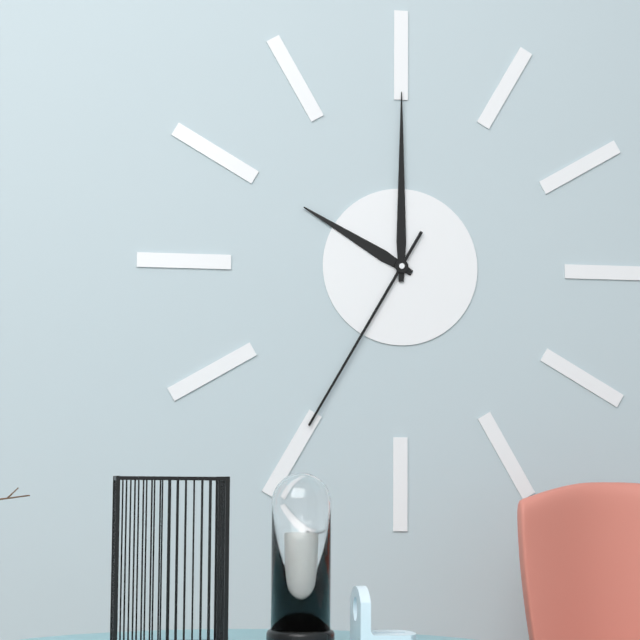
**10:00:35**
